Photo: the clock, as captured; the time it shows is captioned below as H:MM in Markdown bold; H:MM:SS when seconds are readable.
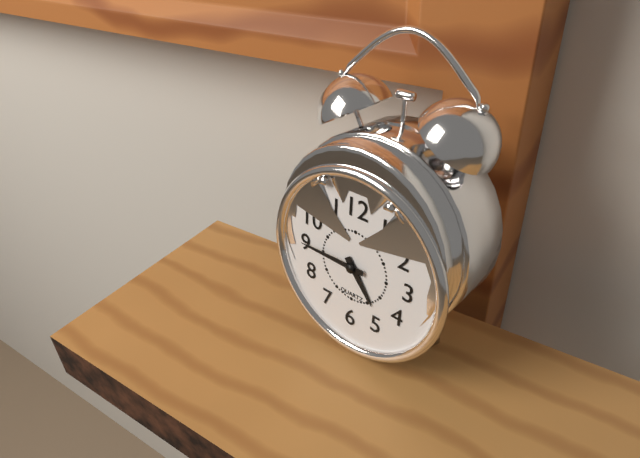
**4:45**
